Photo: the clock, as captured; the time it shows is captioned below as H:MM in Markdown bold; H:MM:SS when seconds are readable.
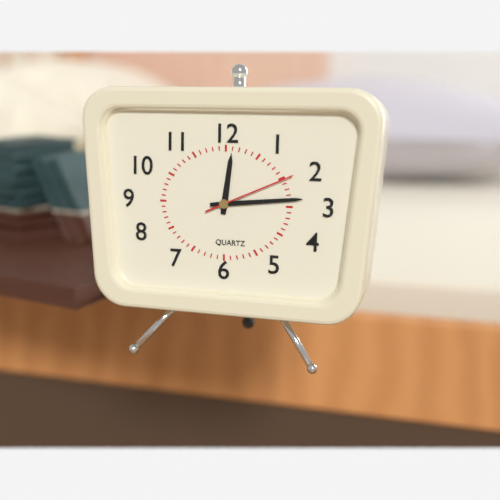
**12:14:11**
